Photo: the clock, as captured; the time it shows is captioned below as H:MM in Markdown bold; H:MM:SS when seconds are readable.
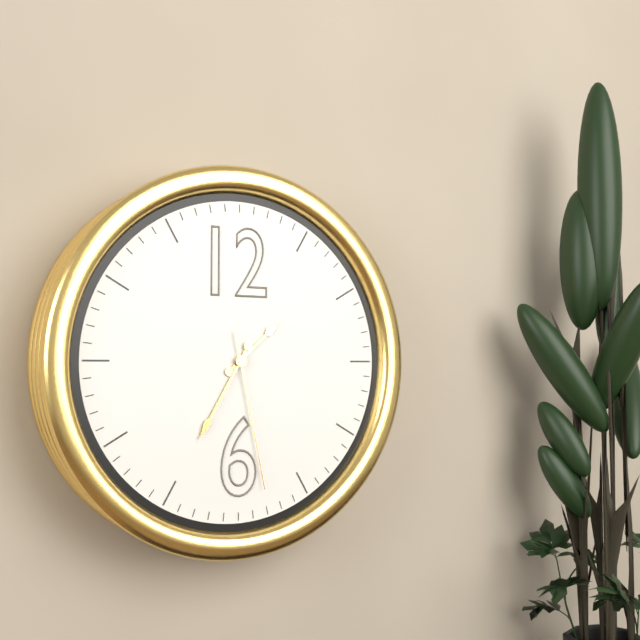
**1:35:28**
